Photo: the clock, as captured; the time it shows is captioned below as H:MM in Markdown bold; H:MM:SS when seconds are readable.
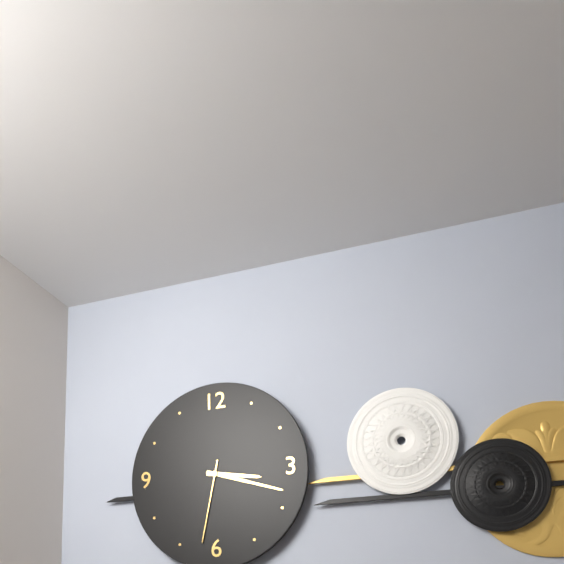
**3:18:32**
